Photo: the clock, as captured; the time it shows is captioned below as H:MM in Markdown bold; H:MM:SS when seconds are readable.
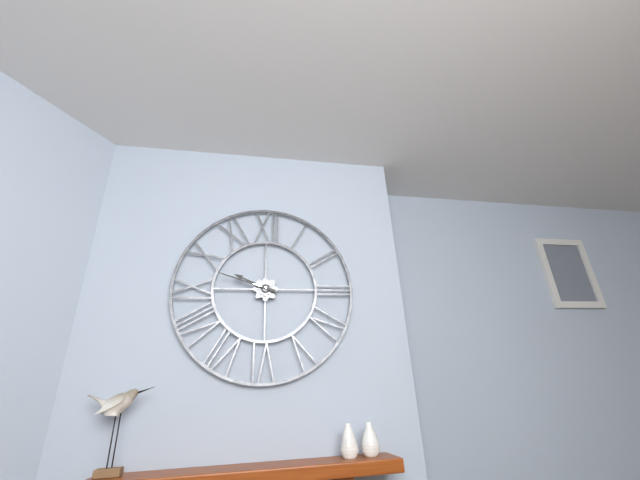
**9:48**
